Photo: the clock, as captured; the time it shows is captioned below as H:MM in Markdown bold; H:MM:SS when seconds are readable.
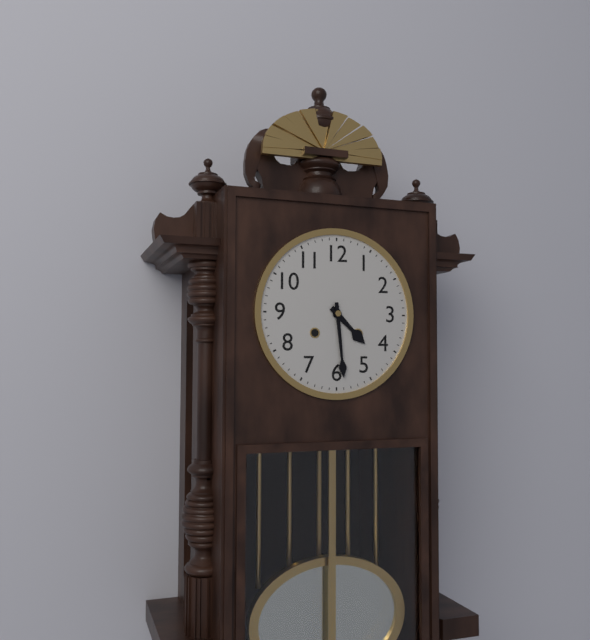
**4:29**
